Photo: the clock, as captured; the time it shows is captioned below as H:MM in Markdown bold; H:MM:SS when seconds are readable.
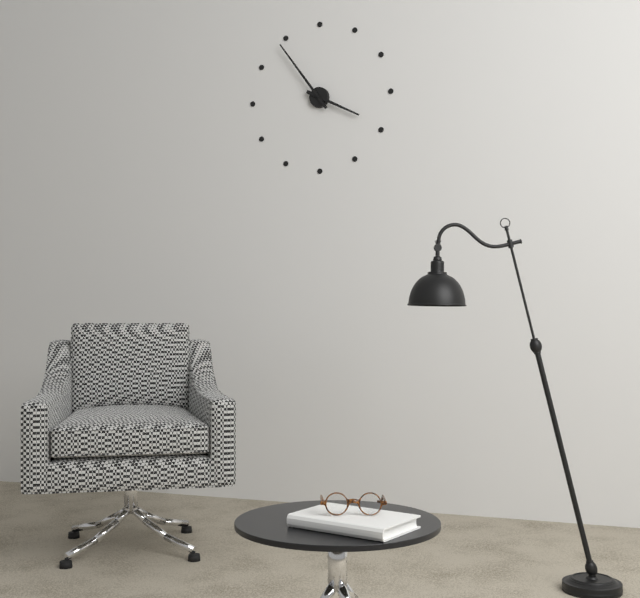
**3:54**
